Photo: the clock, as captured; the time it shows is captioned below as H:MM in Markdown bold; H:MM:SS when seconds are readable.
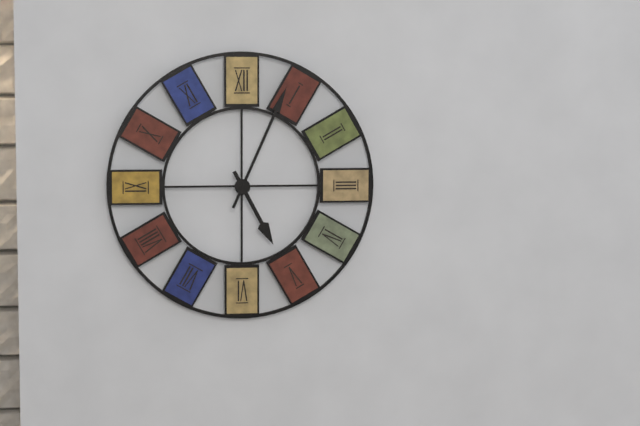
**5:04**
